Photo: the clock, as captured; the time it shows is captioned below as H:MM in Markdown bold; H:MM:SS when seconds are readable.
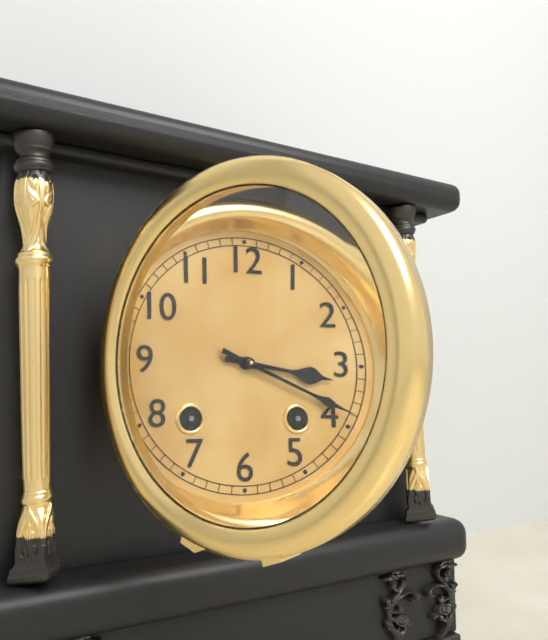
**3:19**
